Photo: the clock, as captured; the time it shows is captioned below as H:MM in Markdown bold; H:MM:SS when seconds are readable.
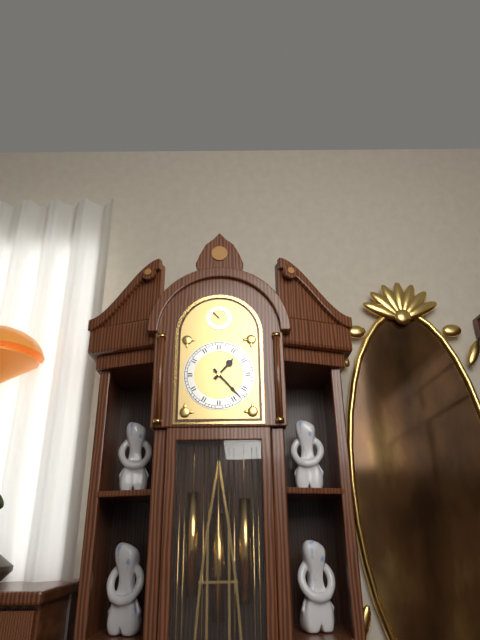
**1:23**
